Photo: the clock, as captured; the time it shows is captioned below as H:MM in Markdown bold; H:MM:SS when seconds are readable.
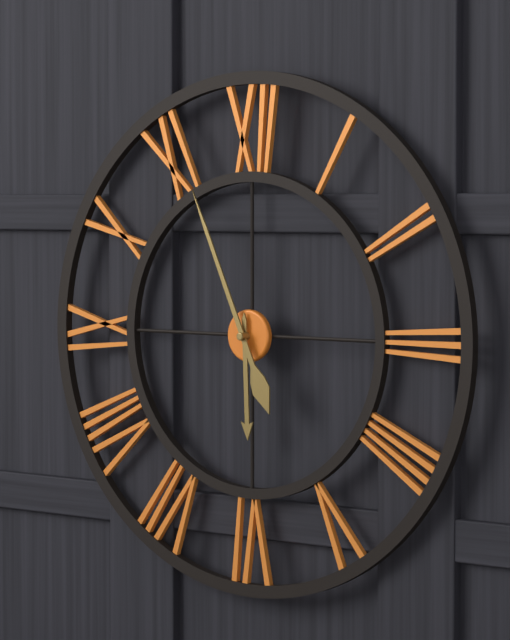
**5:56**
